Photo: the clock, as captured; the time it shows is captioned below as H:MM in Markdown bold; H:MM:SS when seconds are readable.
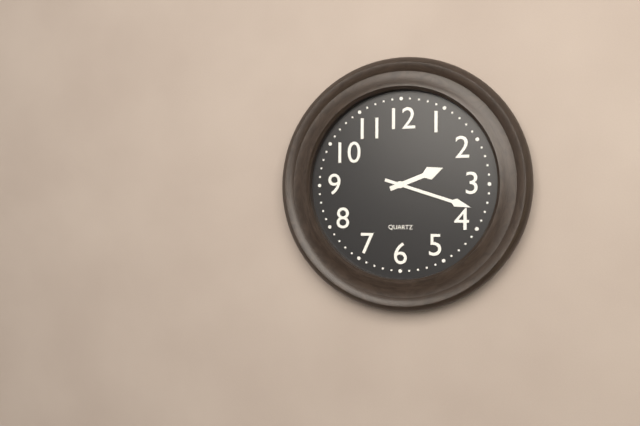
**2:18**
